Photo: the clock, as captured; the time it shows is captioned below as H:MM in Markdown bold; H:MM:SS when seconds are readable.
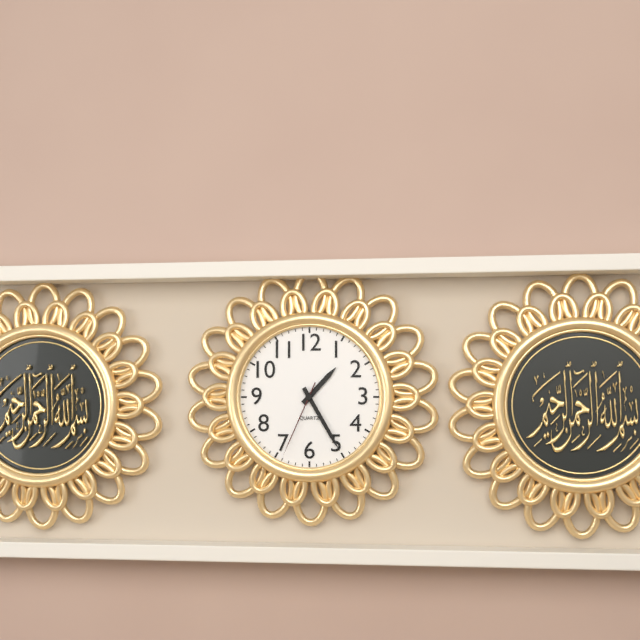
**1:25:34**
